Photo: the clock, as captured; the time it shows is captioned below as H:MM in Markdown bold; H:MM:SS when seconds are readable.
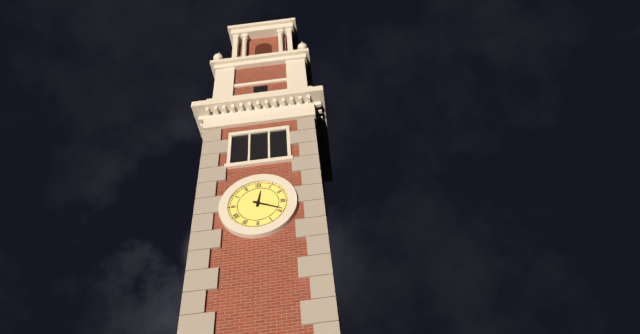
**12:19**
